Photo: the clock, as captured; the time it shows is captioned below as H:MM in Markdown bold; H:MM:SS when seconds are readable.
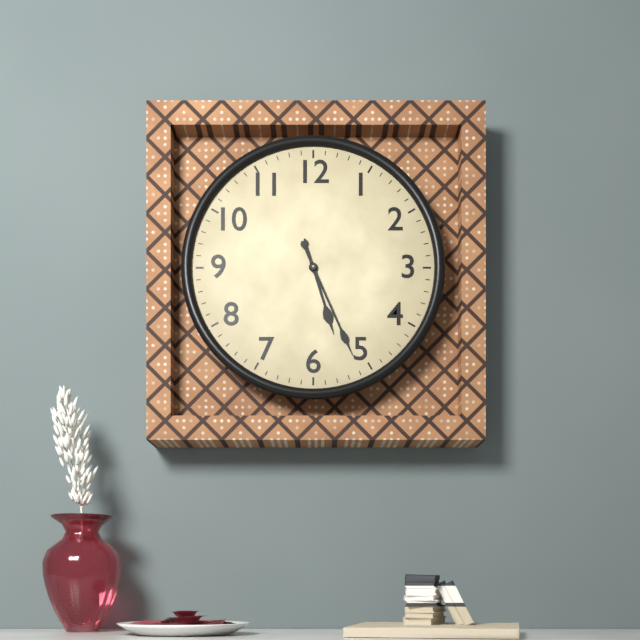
**5:26**
